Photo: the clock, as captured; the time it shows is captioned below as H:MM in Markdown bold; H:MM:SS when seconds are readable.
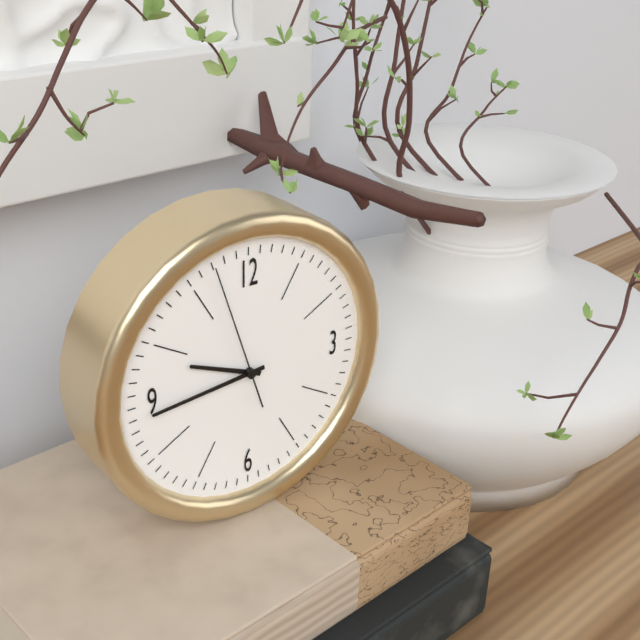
**9:44:57**
